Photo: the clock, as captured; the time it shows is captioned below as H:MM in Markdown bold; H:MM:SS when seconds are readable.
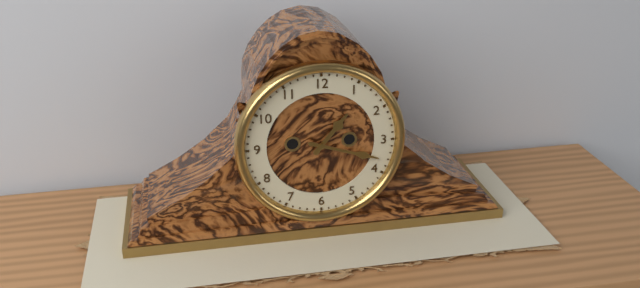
**1:18**
